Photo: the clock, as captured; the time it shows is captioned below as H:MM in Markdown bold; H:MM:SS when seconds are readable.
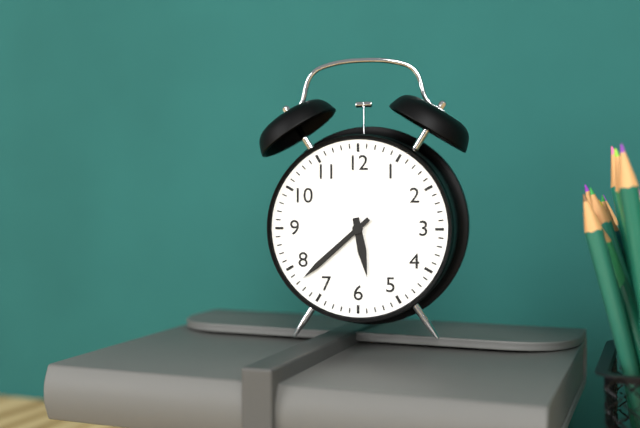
**5:38**
